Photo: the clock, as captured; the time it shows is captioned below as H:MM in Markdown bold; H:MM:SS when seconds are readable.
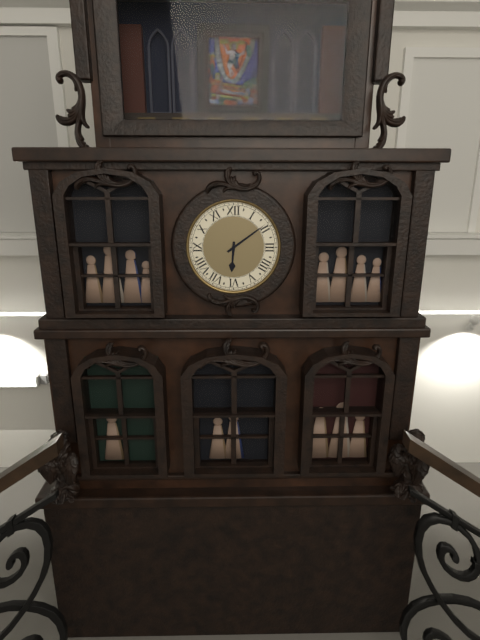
**6:09**
